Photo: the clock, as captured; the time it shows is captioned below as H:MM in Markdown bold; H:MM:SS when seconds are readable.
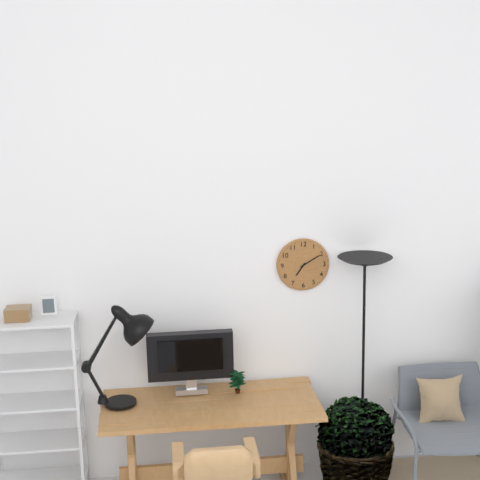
**7:10**
